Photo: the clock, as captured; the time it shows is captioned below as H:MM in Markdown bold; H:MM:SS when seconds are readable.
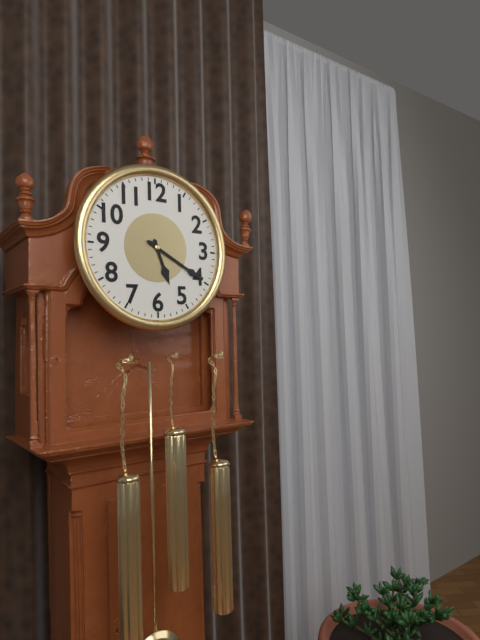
**5:20**
